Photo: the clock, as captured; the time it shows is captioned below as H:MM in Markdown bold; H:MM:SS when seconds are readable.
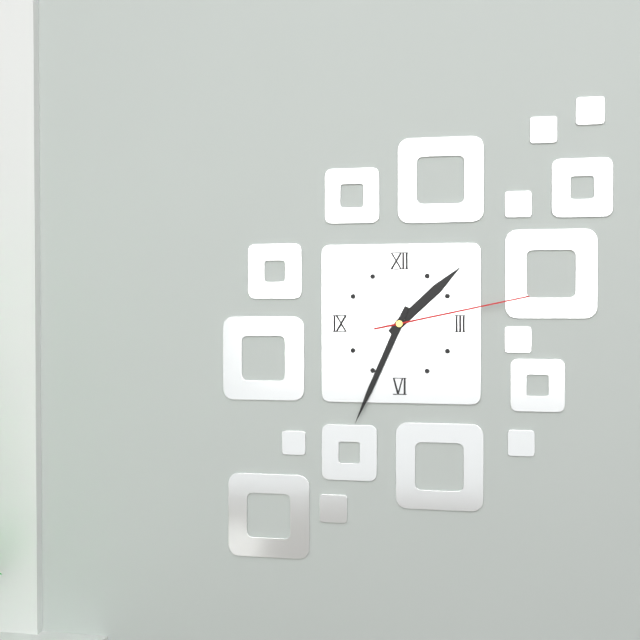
**1:34:13**
